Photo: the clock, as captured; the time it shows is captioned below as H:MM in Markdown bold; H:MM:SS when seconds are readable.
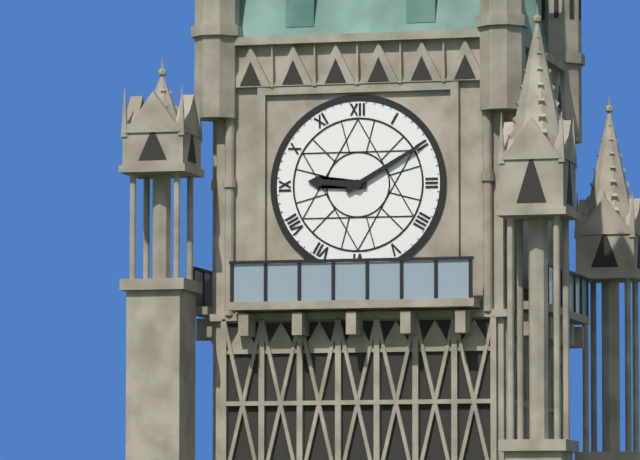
**9:10**
